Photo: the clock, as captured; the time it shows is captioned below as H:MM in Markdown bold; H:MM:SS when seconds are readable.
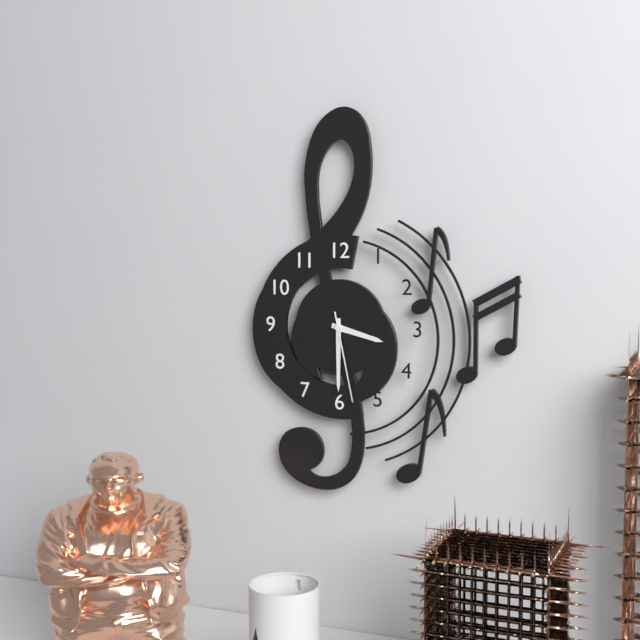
**3:30:28**
